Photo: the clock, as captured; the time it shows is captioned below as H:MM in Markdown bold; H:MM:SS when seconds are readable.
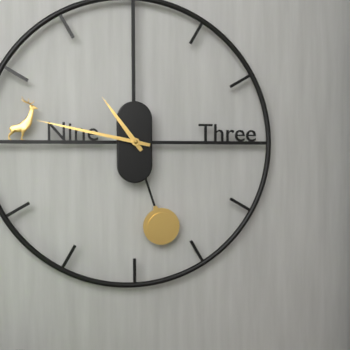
**10:47**
